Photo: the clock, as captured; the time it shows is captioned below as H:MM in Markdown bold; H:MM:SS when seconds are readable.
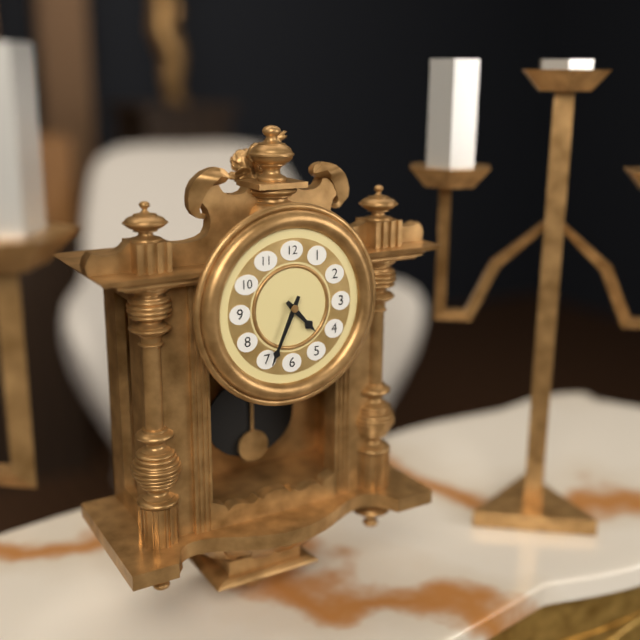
**4:34**
